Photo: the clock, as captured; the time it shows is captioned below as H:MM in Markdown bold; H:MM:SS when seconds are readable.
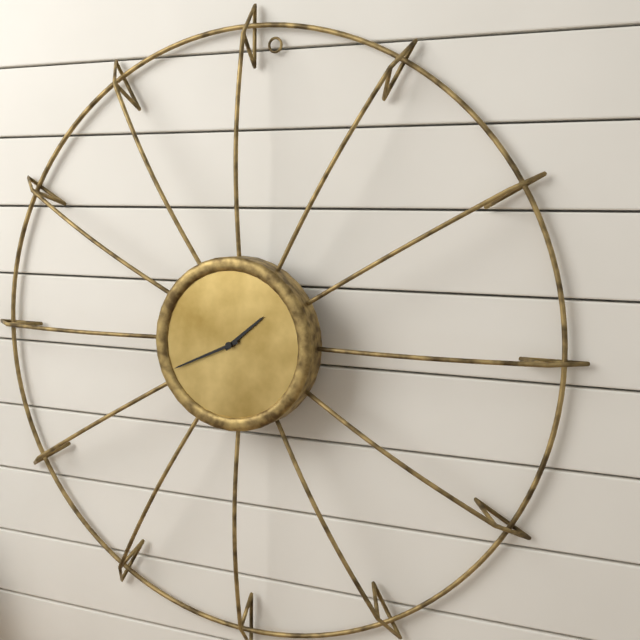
**1:41**
